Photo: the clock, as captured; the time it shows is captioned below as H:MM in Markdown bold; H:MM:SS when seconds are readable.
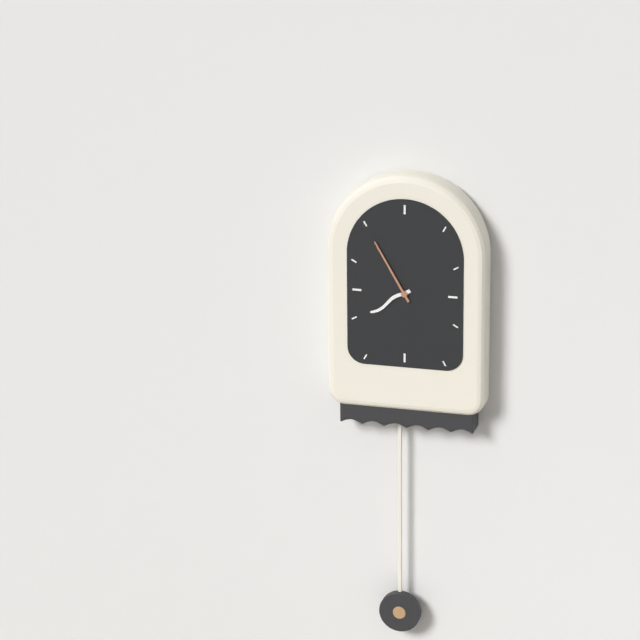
**7:55**
